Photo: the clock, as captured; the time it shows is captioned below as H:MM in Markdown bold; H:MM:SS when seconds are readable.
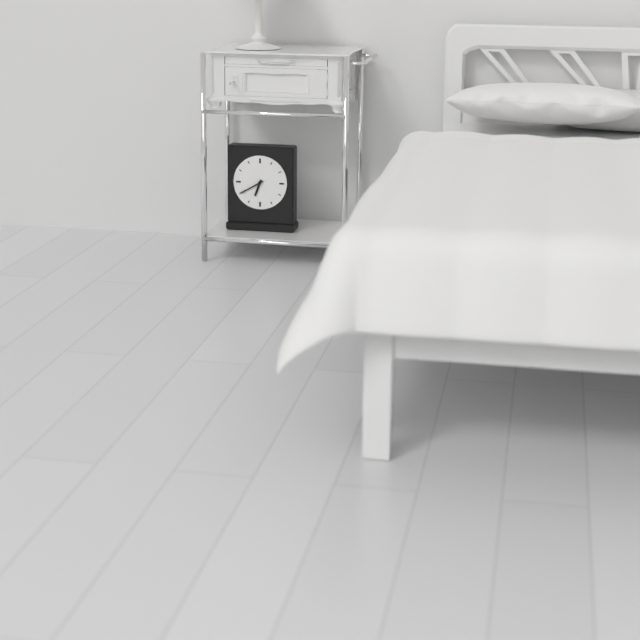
**6:40**
